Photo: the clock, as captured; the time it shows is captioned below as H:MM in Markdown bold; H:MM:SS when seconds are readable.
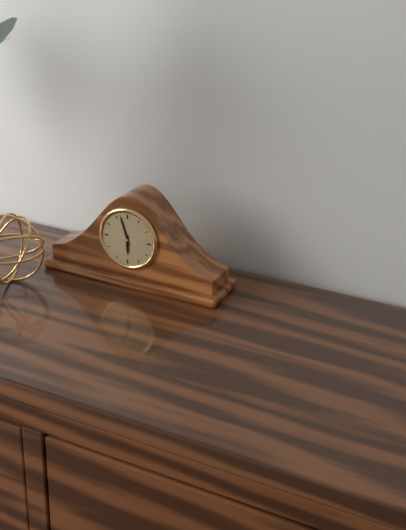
**5:57**
